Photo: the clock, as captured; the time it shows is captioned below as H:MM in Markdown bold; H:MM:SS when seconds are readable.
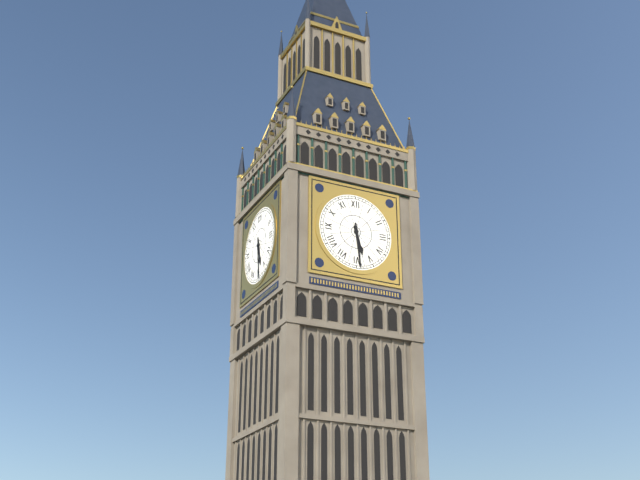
**5:29**
